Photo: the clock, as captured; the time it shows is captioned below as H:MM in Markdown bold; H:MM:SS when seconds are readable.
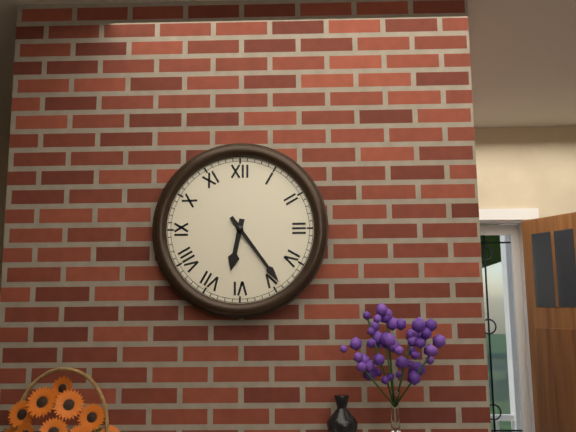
**6:24**
